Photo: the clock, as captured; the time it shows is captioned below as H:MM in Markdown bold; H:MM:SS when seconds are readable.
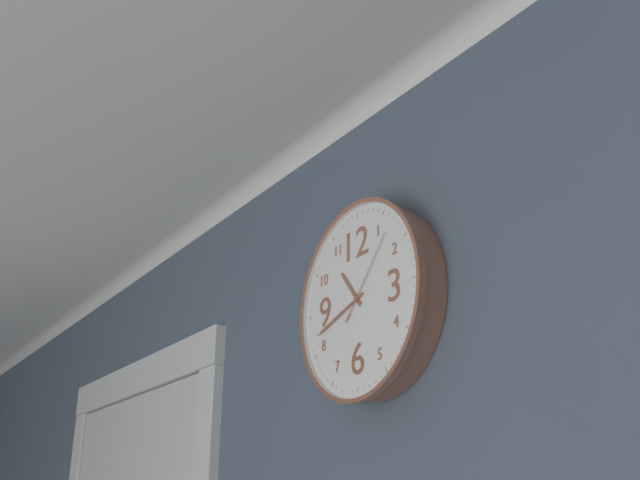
**10:42:07**
